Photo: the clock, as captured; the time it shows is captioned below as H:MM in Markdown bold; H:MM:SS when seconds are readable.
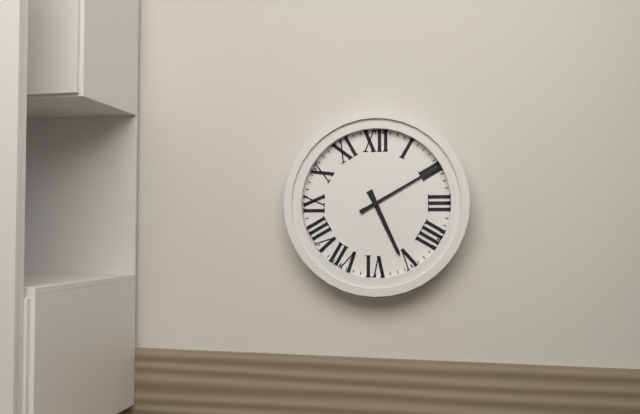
**5:10**
